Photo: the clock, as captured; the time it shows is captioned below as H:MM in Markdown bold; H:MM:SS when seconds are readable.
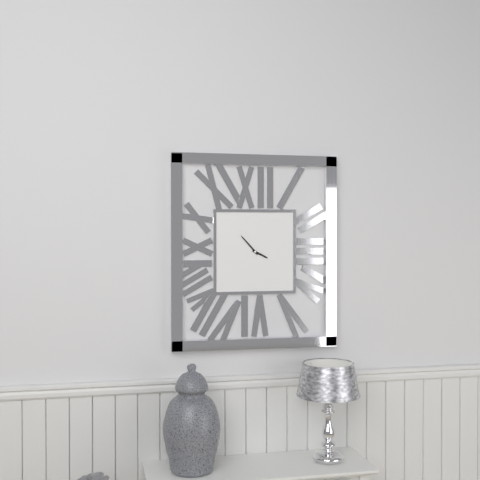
**3:53**
